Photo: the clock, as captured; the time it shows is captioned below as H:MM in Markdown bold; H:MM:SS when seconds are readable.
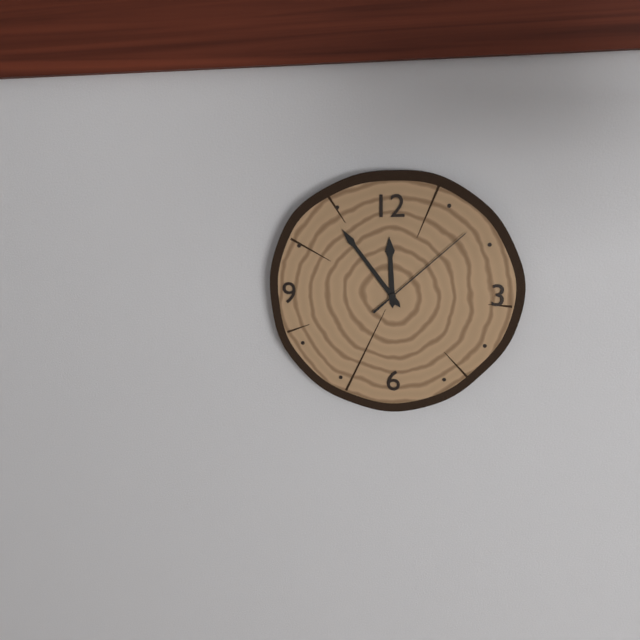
**11:54:08**
